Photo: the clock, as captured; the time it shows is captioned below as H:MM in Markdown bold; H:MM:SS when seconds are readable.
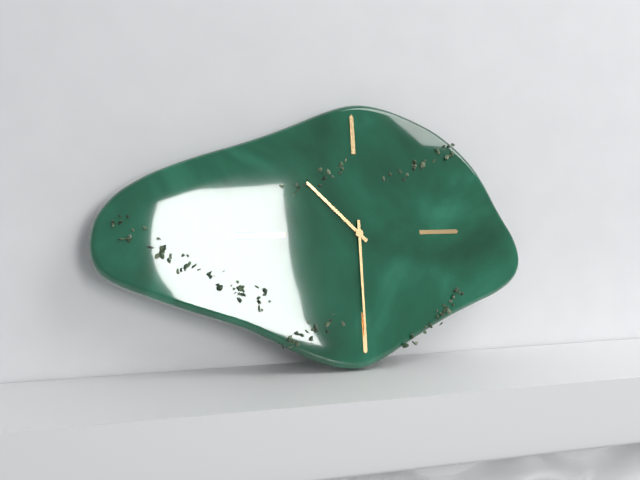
**10:30**
